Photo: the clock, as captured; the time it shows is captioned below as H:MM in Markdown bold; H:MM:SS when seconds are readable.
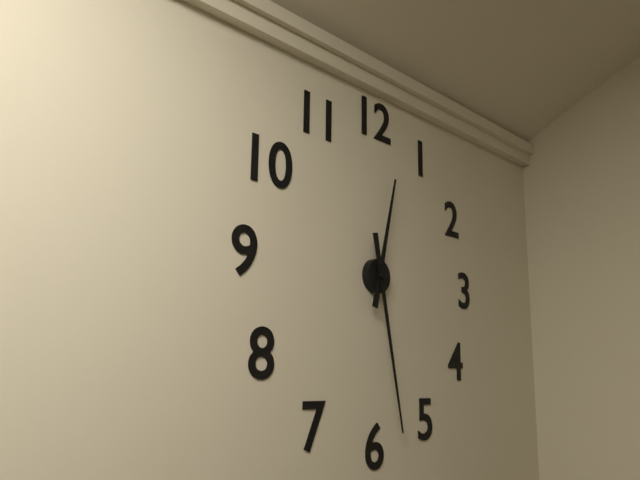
**12:28**
